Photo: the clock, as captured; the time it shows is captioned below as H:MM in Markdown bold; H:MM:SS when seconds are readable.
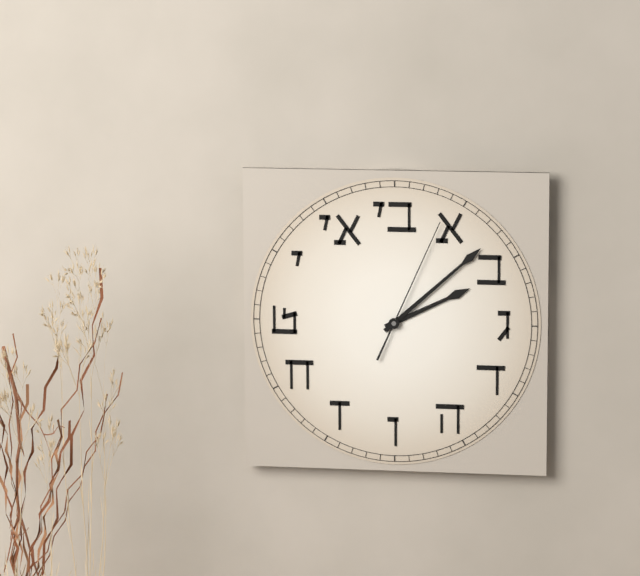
**2:08:04**
